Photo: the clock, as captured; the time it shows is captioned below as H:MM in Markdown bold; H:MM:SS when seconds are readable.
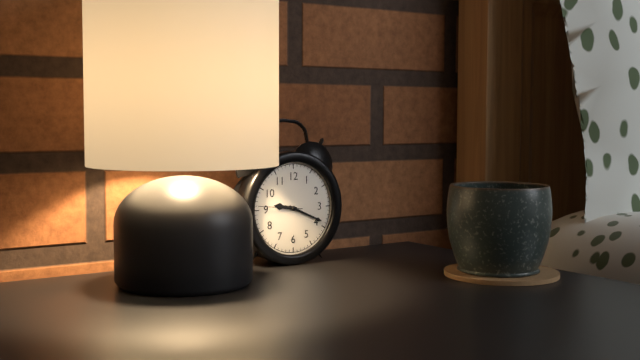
**9:19**
